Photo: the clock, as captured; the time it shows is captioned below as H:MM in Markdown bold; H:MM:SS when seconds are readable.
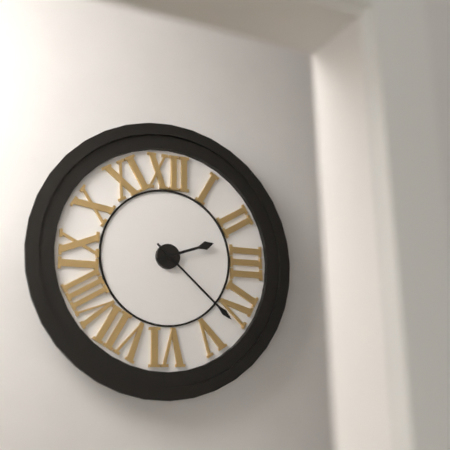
**2:22**
